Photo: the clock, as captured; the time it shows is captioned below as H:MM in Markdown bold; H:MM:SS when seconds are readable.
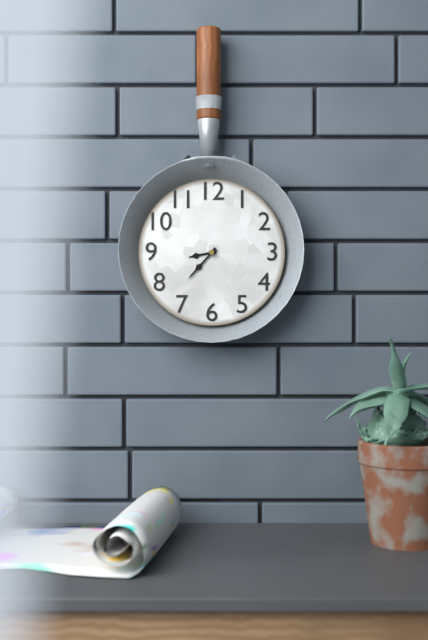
**8:37**
